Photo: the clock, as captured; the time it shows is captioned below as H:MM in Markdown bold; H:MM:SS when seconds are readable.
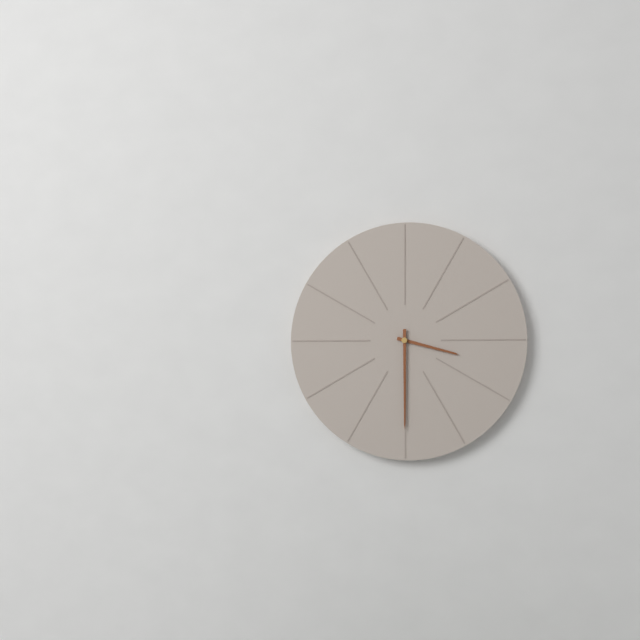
**3:30**
